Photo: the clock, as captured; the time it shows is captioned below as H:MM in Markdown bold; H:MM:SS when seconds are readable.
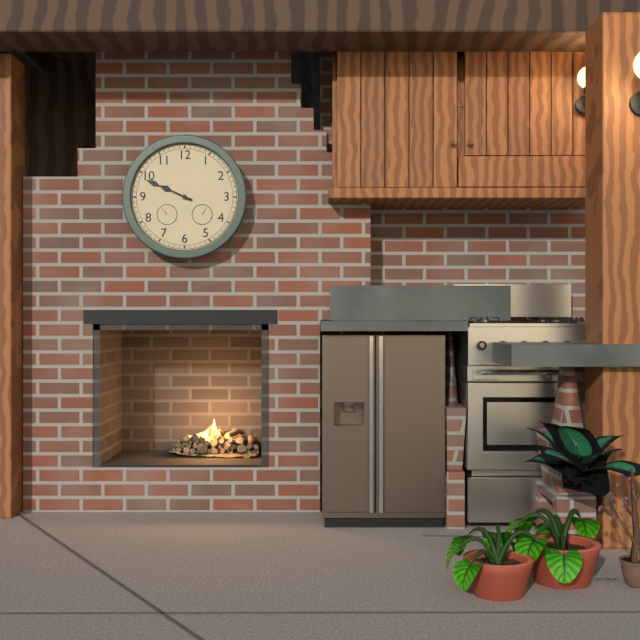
**9:49**
